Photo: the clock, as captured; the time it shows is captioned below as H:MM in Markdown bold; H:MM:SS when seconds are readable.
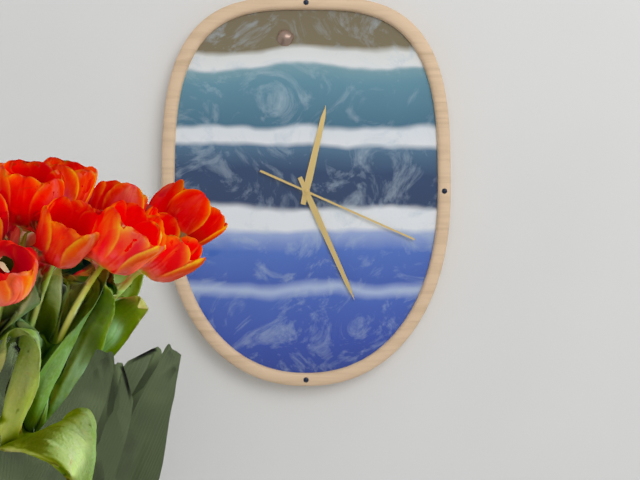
**12:26:19**
